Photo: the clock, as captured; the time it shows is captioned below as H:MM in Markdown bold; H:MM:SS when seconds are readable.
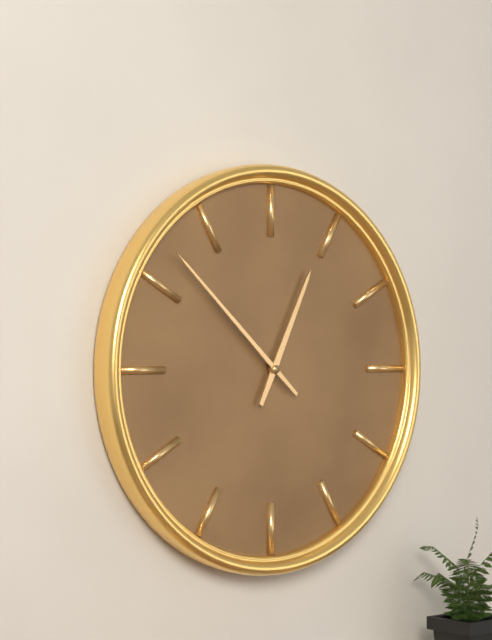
**12:52**
